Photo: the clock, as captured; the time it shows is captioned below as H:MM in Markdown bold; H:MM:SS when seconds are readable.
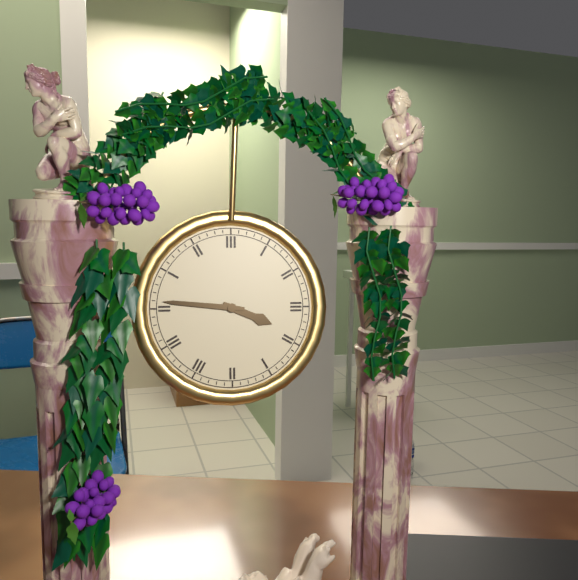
**3:46**
